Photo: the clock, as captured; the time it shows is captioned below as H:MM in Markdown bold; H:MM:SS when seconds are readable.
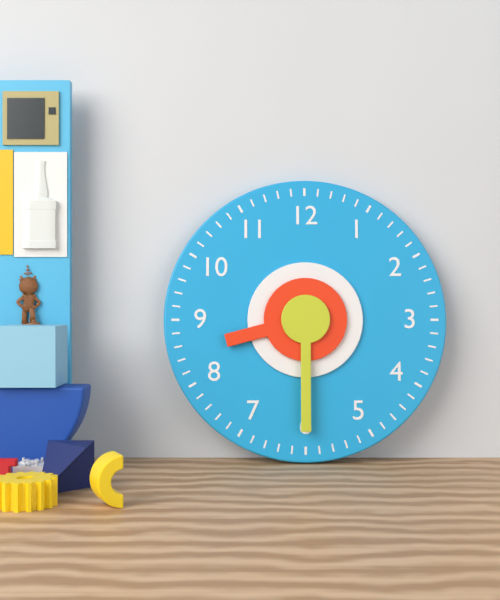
**8:30**
